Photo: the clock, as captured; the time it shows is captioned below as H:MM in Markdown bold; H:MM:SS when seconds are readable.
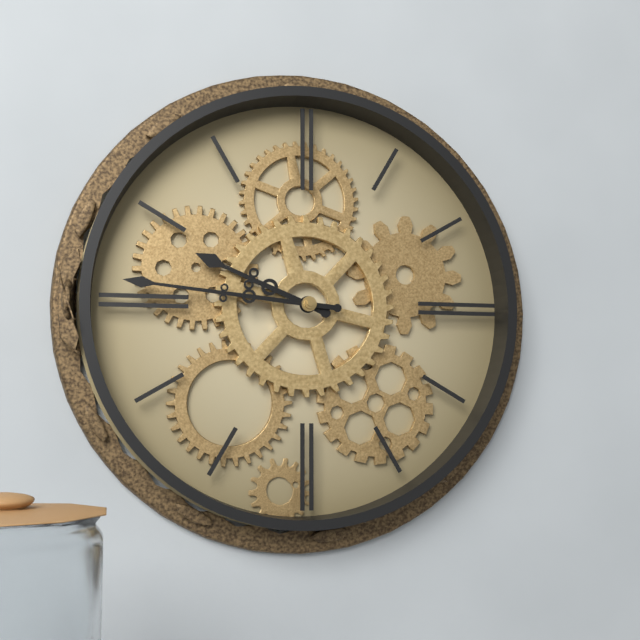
**9:46**
